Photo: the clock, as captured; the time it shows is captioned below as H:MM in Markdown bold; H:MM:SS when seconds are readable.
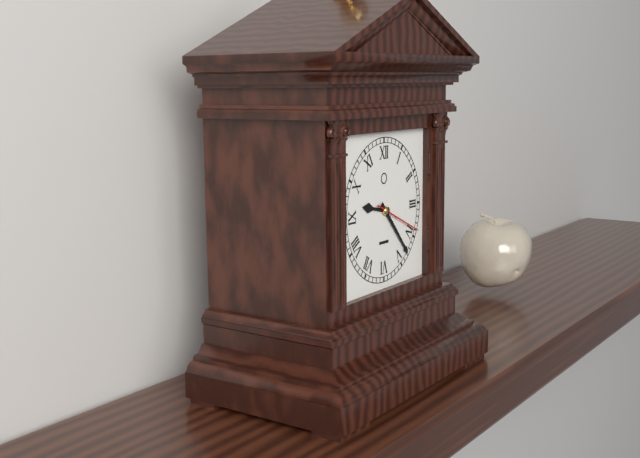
**9:23**
